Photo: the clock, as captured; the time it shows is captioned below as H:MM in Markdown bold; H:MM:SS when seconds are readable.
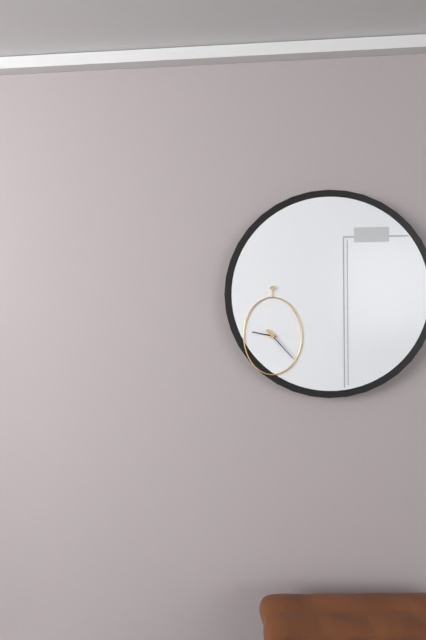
**9:23**
